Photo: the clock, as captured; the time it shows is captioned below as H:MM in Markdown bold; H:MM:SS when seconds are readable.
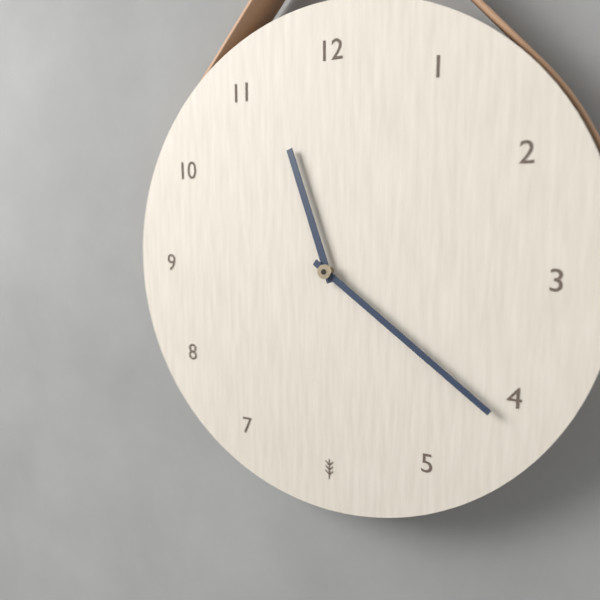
**11:21**
